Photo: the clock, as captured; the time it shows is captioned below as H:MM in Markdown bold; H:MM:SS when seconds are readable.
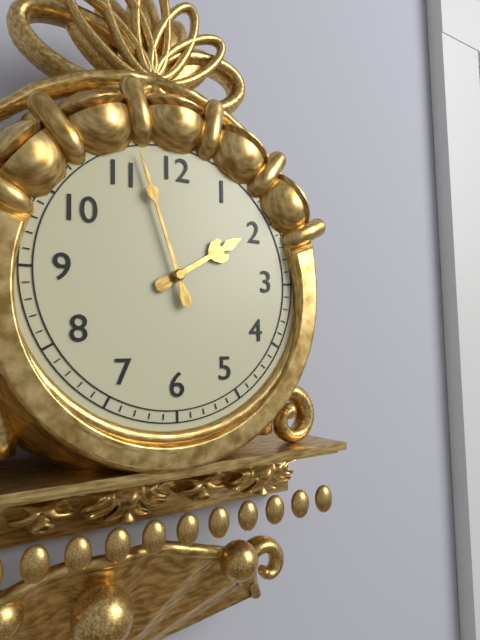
**1:57**
